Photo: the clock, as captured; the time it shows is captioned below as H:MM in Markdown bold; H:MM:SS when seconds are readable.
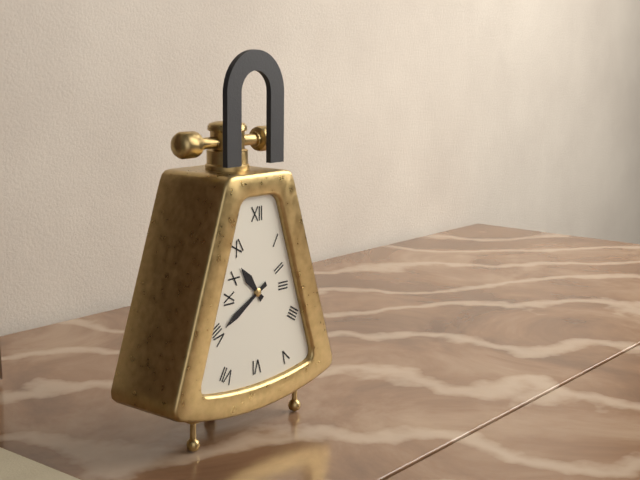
**10:40**
